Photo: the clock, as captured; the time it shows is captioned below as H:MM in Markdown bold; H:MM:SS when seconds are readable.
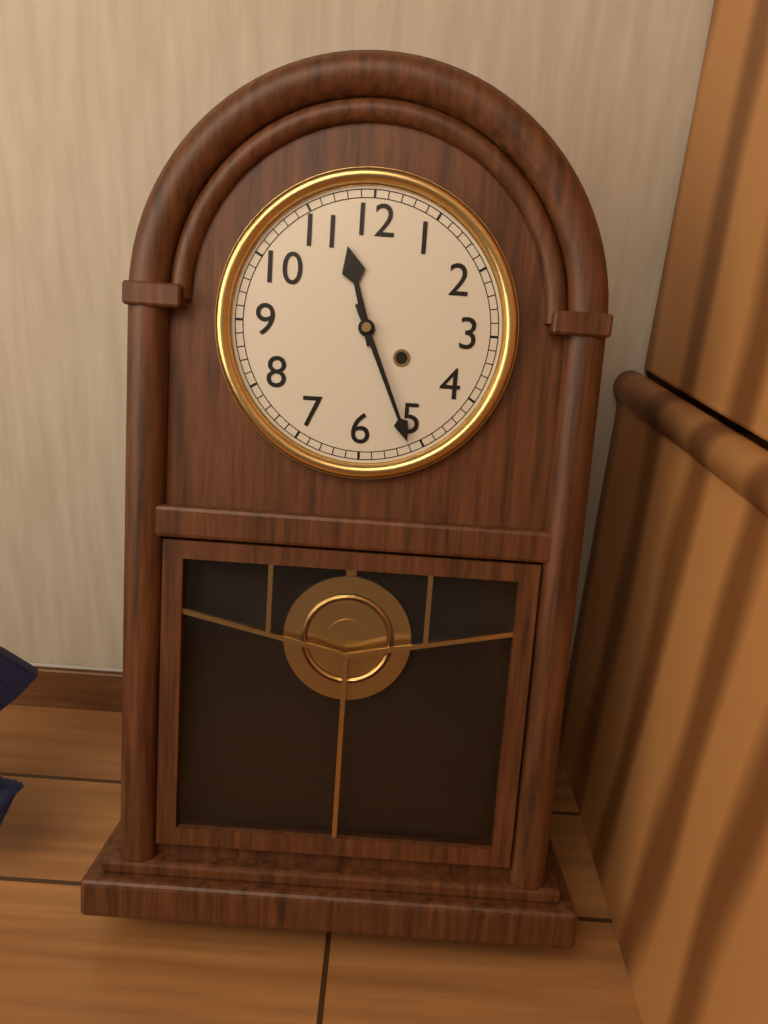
**11:26**
